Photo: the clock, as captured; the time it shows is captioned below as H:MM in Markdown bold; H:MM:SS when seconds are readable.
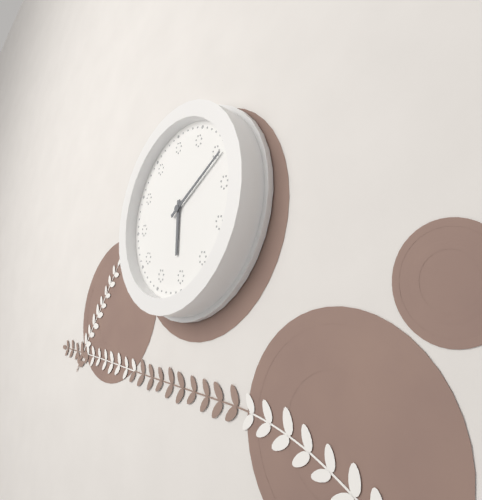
**6:11**
